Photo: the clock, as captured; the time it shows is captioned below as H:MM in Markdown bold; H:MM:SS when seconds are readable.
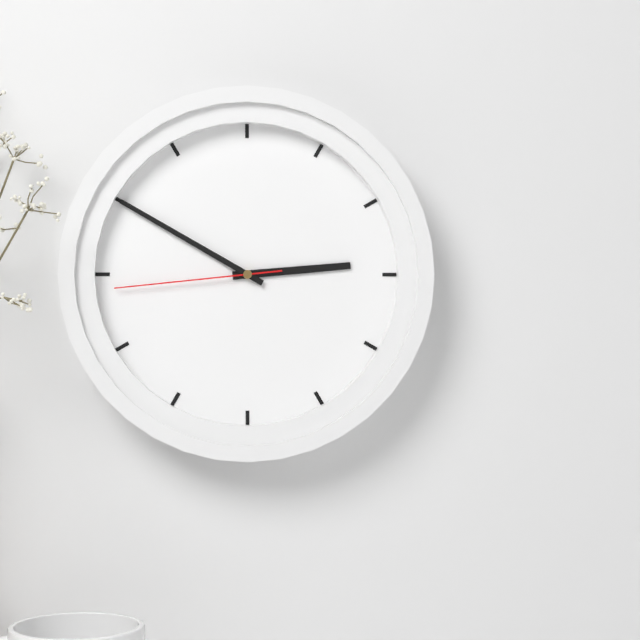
**2:50:44**
